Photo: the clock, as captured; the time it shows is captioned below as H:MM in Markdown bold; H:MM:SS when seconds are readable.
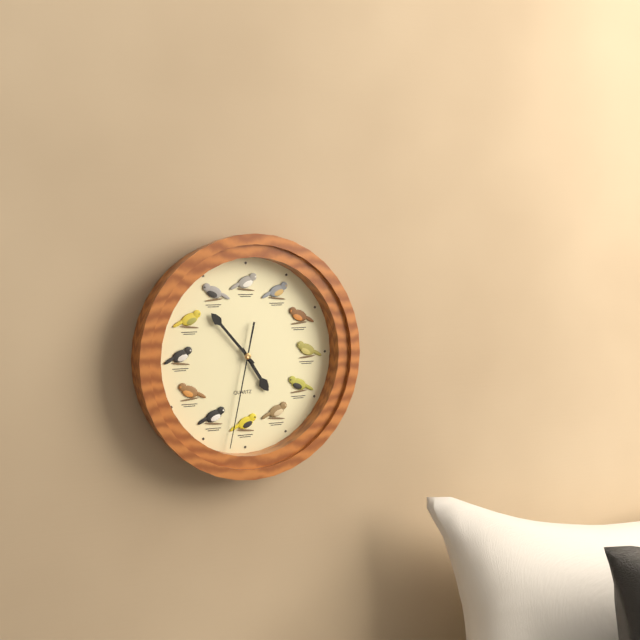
**4:53:32**
